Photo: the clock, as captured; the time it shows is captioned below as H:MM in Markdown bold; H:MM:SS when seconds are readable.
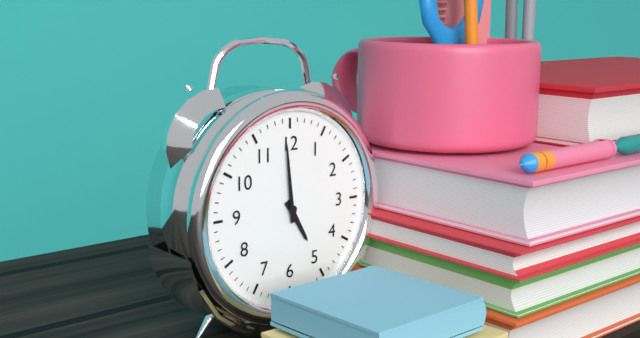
**4:59**
